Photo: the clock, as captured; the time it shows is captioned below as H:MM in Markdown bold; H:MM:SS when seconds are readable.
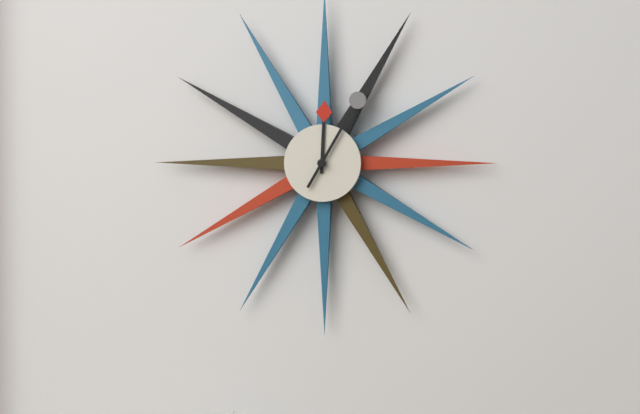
**12:05**
